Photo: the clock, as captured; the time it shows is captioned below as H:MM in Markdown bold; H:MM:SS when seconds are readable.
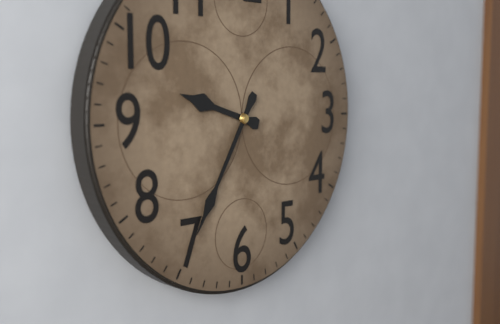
**9:35**
